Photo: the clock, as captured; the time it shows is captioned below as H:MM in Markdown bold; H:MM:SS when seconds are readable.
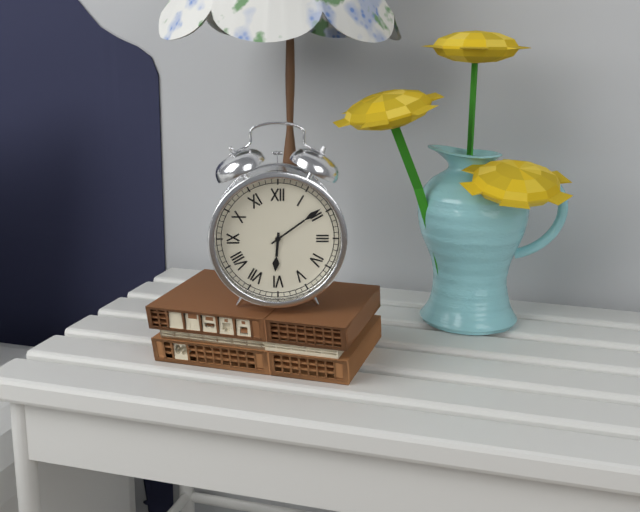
**6:09**
